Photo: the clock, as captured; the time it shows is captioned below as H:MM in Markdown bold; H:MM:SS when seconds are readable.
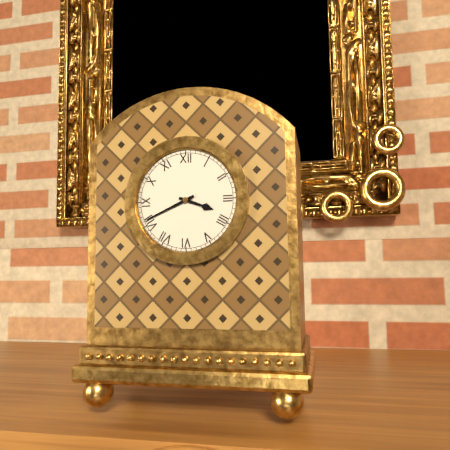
**3:41**
